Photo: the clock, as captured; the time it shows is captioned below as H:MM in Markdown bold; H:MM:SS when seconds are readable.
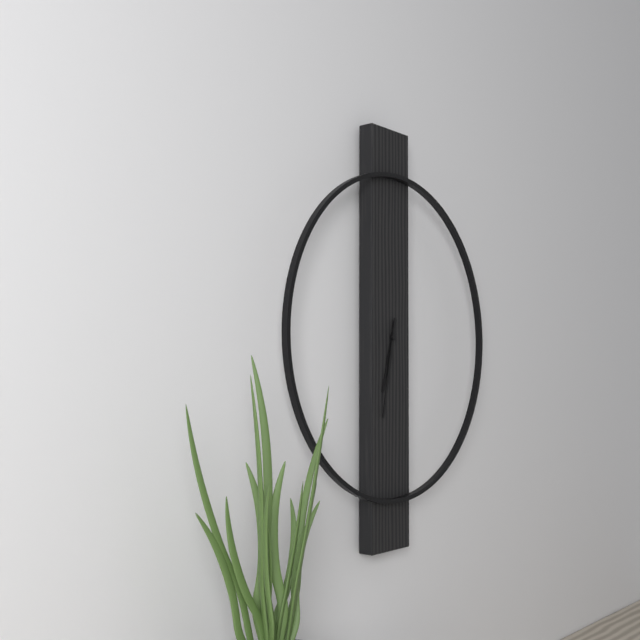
**6:32**
